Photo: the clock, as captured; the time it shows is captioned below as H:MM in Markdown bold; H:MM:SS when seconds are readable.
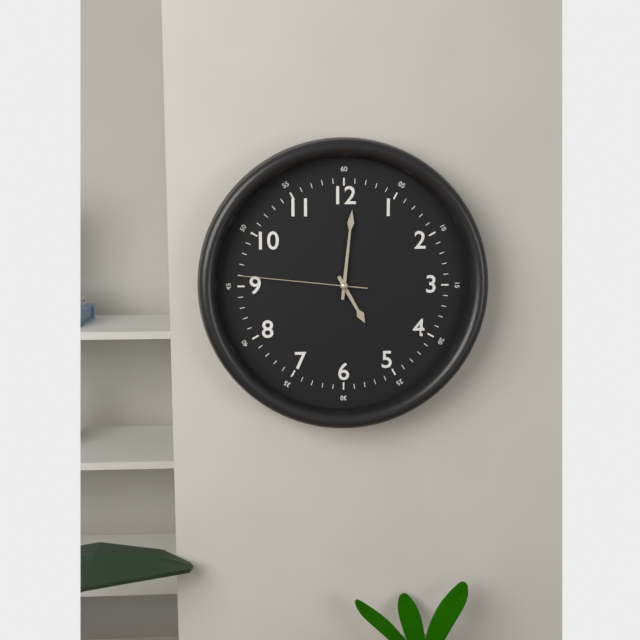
**5:01:46**
